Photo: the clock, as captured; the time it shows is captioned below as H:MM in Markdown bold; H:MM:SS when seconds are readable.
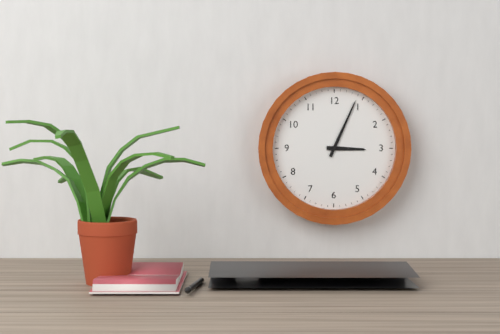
**3:04**
